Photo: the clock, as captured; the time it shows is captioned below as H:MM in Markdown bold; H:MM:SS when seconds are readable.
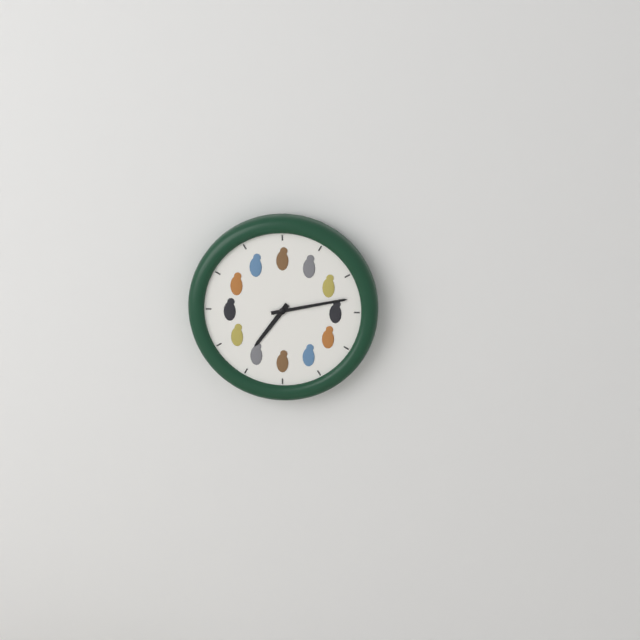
**7:13**
